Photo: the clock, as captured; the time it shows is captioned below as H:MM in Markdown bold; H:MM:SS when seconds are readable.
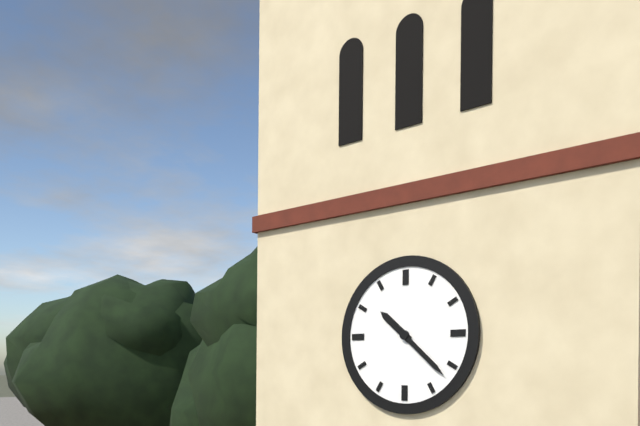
**10:22**
